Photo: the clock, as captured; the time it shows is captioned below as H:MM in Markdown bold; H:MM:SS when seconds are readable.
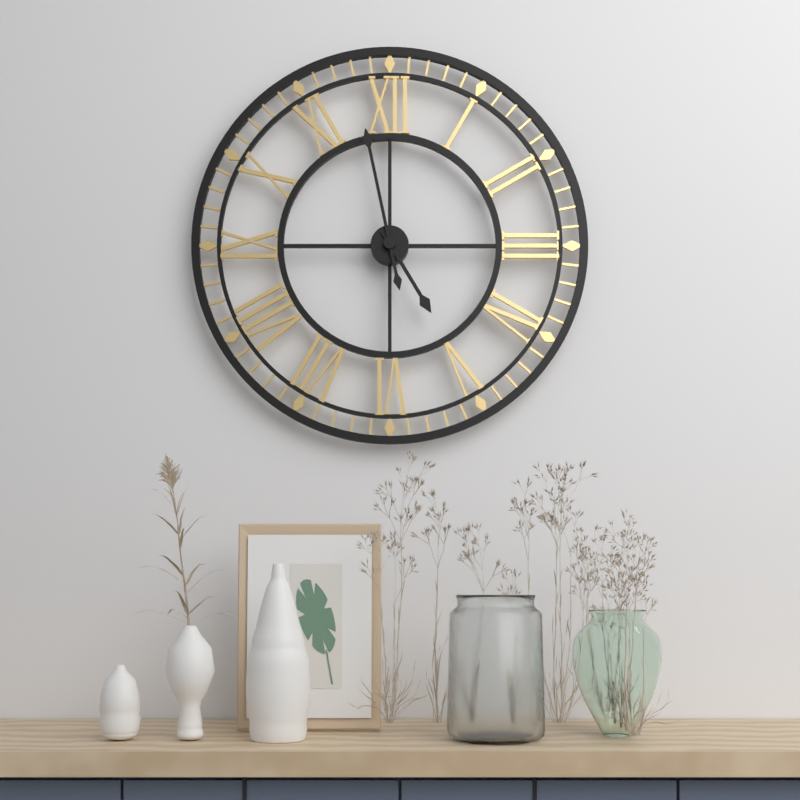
**4:58**
